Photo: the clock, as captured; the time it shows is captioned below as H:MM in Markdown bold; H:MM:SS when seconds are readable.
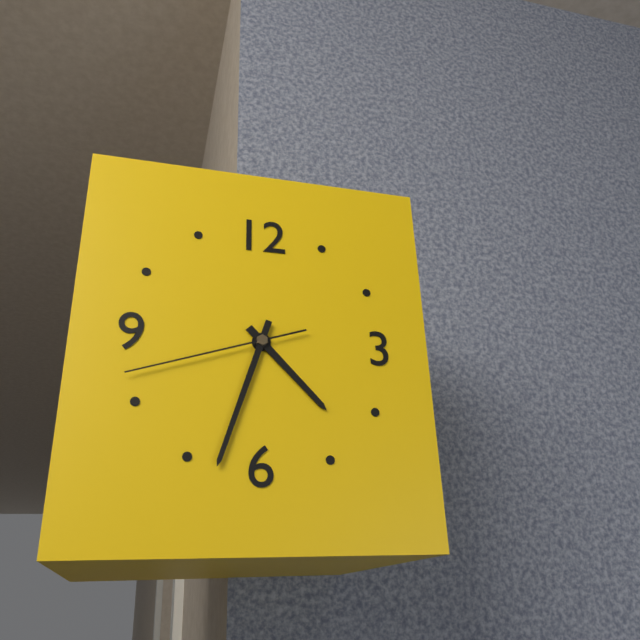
**4:33:42**
